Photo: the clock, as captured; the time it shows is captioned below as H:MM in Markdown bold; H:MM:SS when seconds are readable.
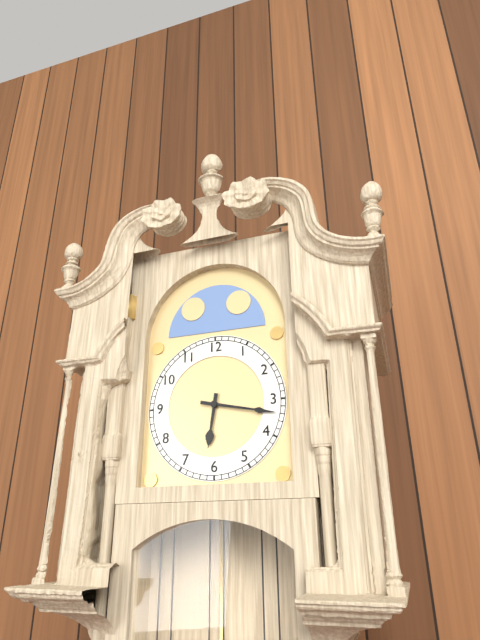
**6:17**
